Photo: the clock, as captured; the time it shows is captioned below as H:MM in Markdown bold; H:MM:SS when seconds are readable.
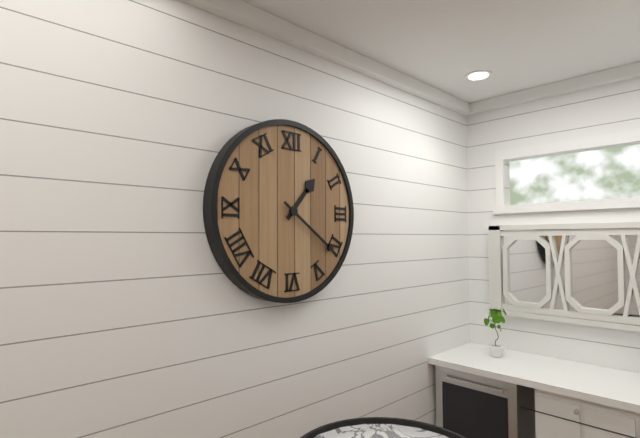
**1:21**
